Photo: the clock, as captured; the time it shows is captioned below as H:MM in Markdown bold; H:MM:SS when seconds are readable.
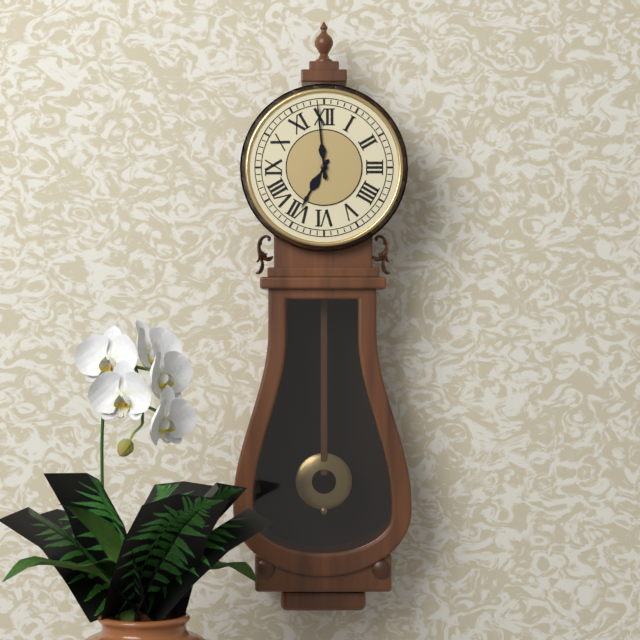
**6:59**
